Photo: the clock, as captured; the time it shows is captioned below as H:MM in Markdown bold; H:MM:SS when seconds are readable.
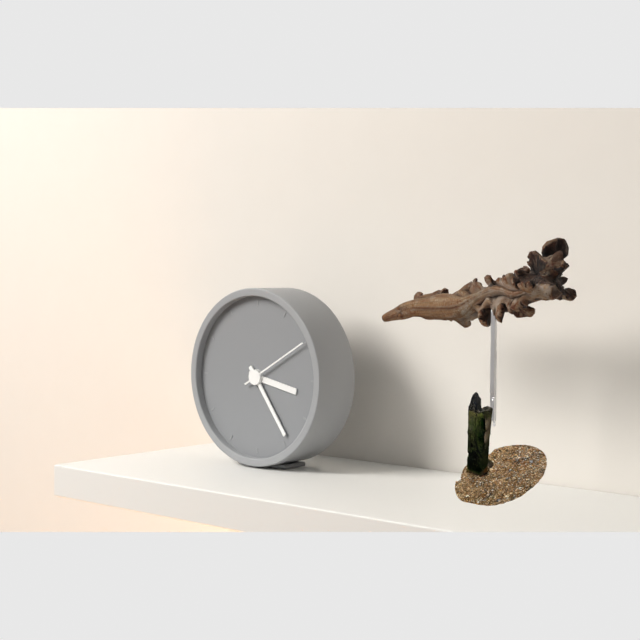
**3:24:10**
